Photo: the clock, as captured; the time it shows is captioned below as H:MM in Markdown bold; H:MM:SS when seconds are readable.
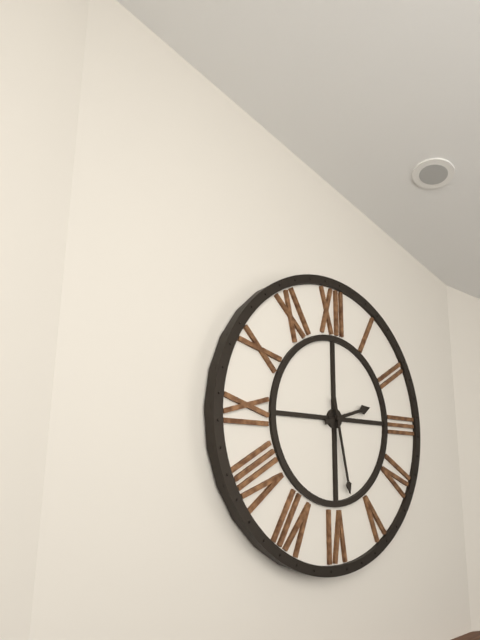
**2:28**
